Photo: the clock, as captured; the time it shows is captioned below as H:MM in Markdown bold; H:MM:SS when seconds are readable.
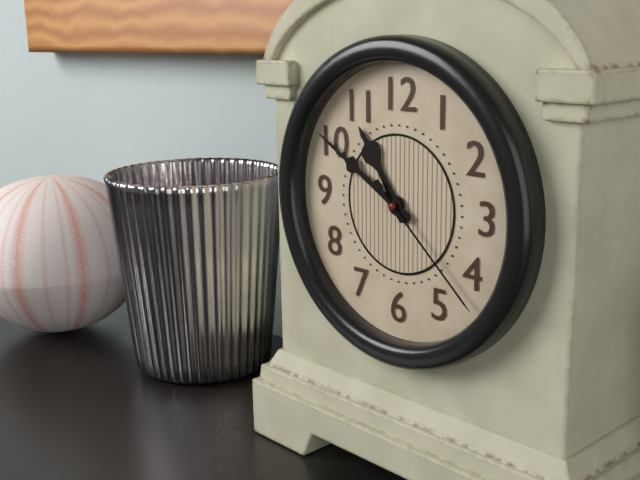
**10:50:22**
